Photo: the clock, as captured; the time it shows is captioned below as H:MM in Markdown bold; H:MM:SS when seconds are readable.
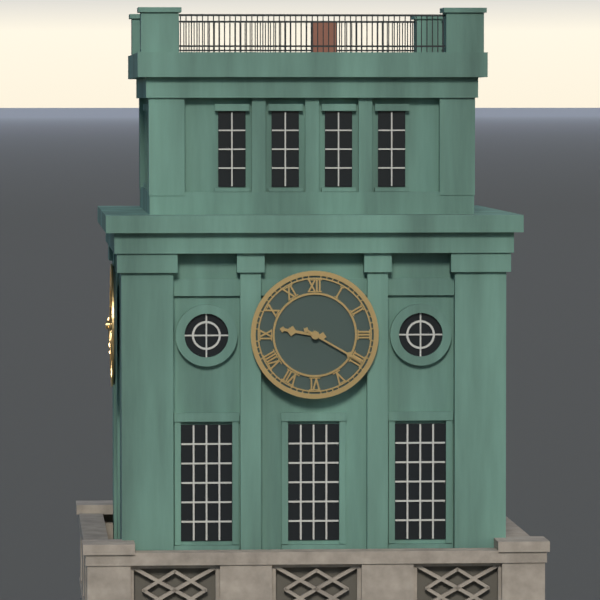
**9:20**
